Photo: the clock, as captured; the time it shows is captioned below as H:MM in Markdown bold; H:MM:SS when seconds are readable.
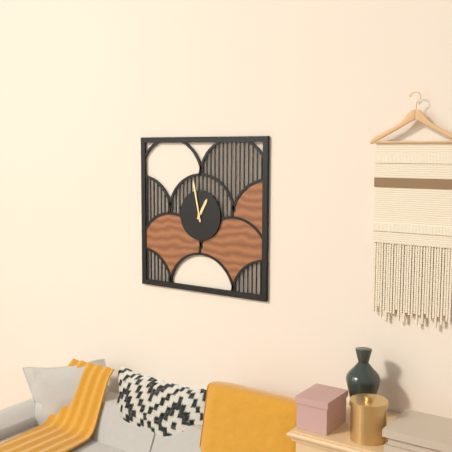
**12:58**
